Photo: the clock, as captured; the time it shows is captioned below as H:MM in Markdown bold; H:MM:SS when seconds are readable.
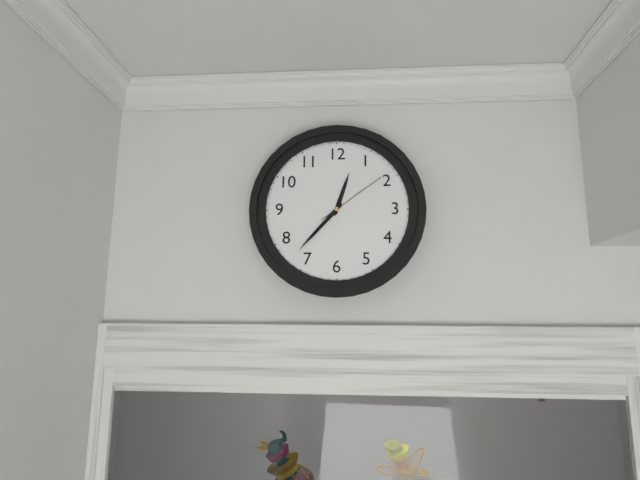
**12:37:09**
